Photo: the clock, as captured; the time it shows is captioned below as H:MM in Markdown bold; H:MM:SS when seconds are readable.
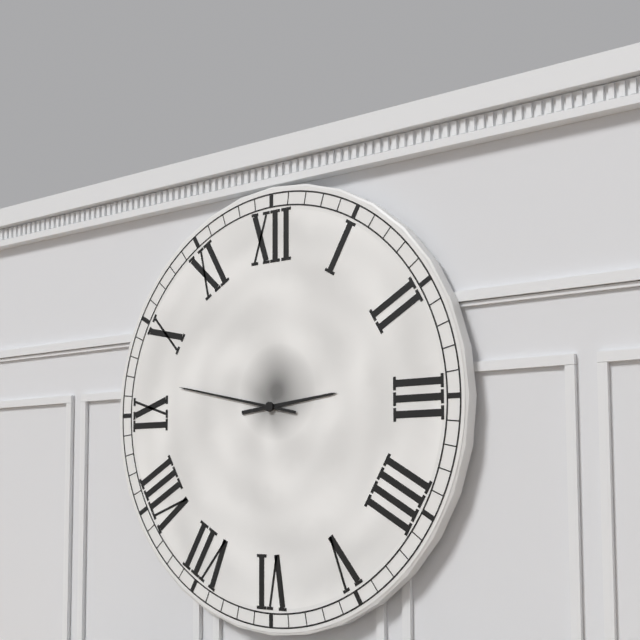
**2:47**
